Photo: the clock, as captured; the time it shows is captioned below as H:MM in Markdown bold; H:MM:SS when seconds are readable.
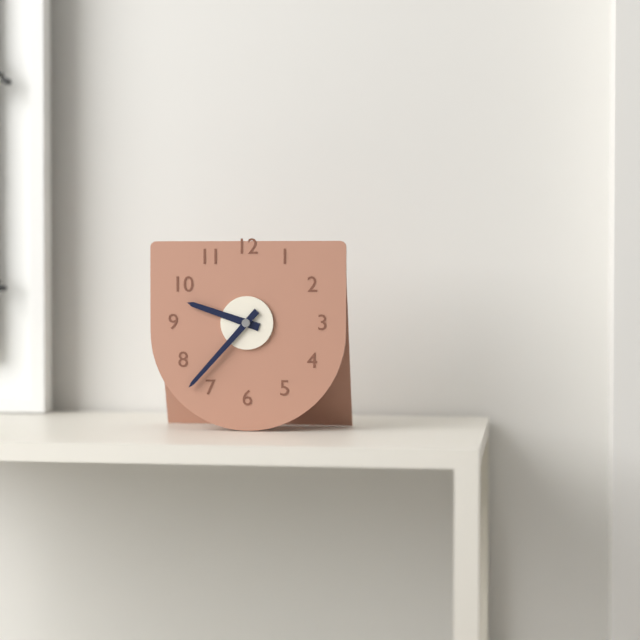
**9:37**
